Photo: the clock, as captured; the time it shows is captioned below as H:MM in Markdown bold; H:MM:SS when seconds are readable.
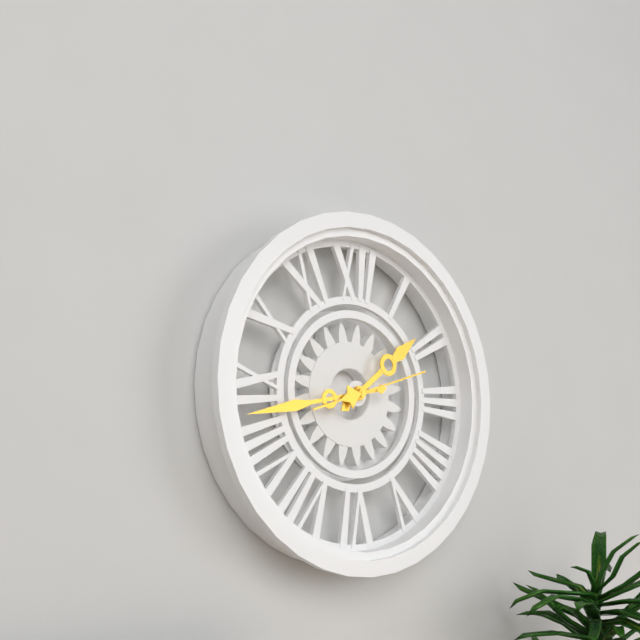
**1:43:12**
